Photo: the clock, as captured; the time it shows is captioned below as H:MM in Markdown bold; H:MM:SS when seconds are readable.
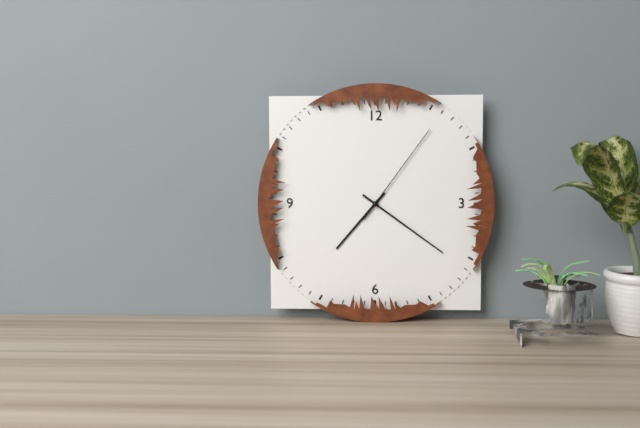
**7:21:06**
